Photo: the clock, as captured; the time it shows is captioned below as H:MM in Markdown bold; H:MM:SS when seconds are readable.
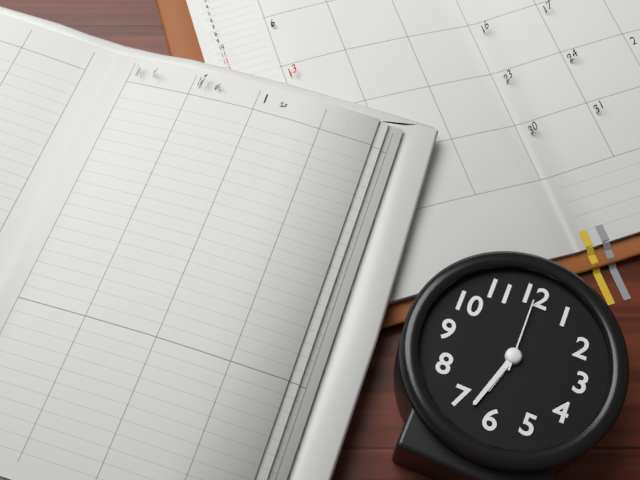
**6:33:00**
